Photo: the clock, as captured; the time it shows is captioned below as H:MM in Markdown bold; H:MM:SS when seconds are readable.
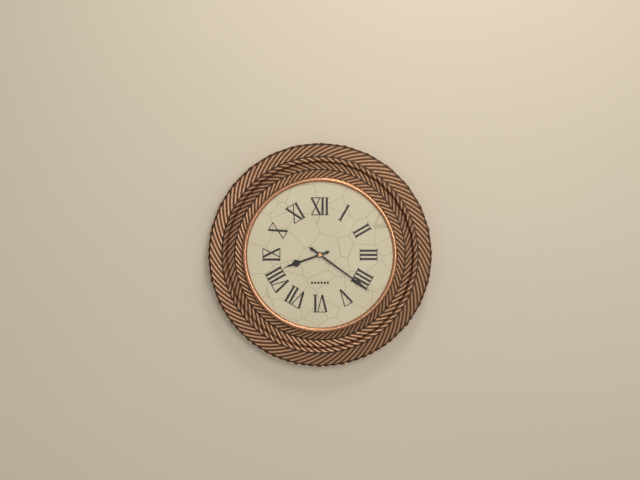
**8:21**
